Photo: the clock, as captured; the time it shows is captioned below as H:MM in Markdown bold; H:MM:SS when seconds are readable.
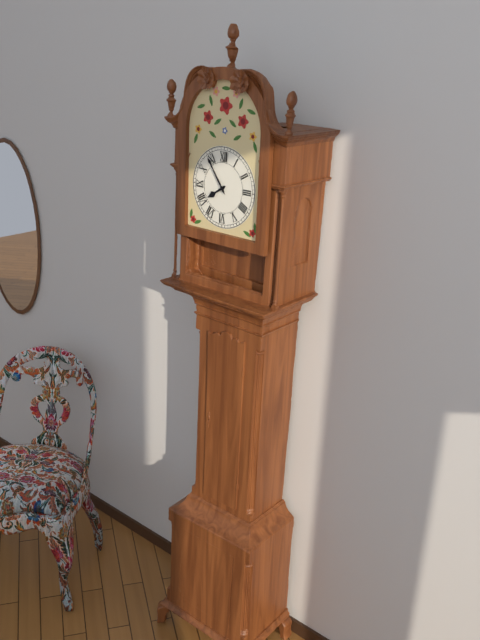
**7:54**
